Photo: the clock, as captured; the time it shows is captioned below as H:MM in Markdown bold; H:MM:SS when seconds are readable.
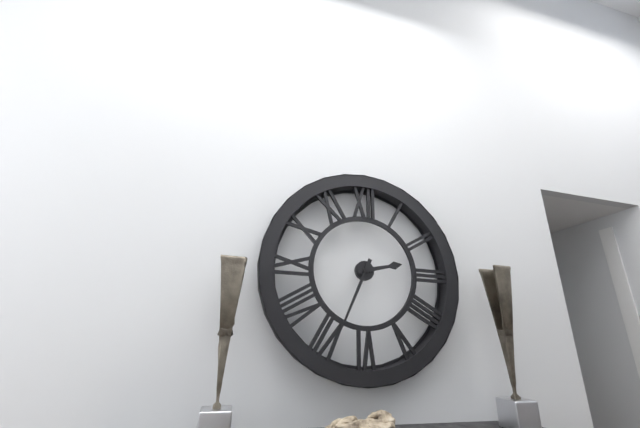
**2:34**
